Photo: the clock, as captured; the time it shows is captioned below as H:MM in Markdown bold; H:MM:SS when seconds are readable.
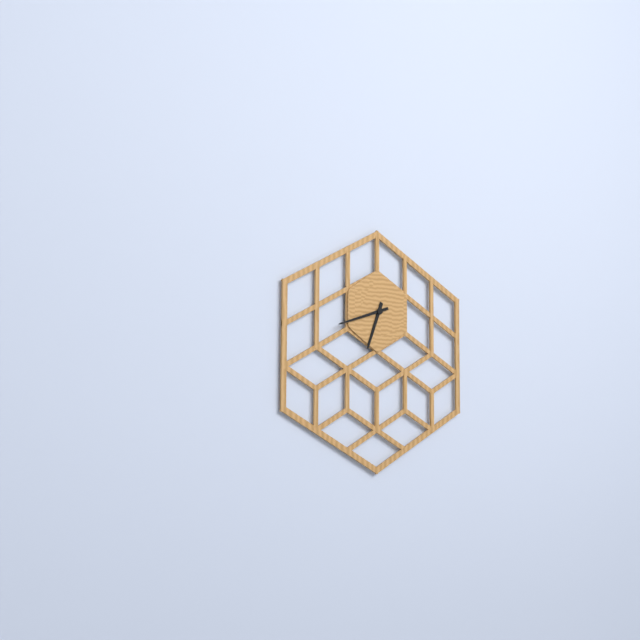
**6:42**
